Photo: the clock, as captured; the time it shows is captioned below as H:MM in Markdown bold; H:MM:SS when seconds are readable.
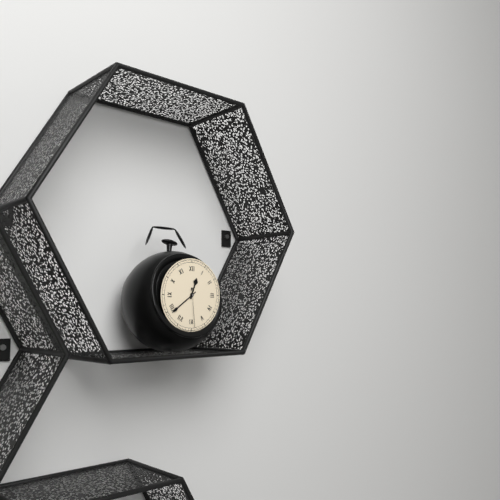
**12:39**
